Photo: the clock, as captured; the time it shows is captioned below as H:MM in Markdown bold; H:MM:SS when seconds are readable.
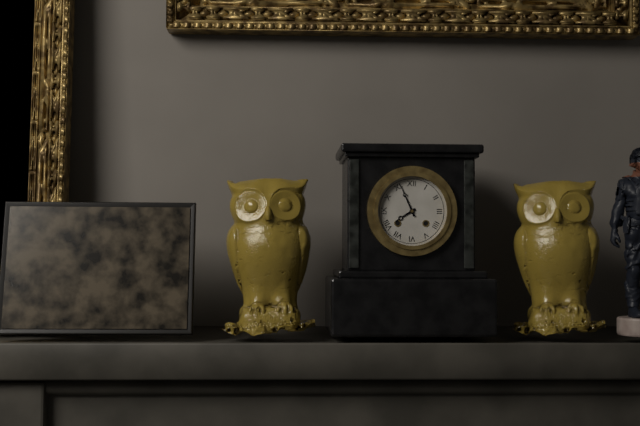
**7:56**
